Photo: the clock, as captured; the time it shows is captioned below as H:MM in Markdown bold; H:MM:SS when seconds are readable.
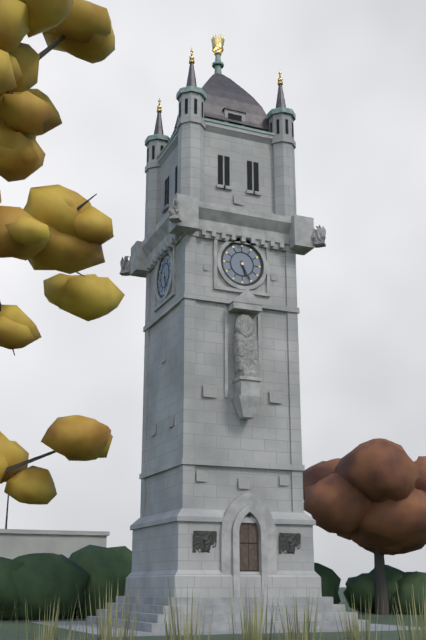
**5:26**
